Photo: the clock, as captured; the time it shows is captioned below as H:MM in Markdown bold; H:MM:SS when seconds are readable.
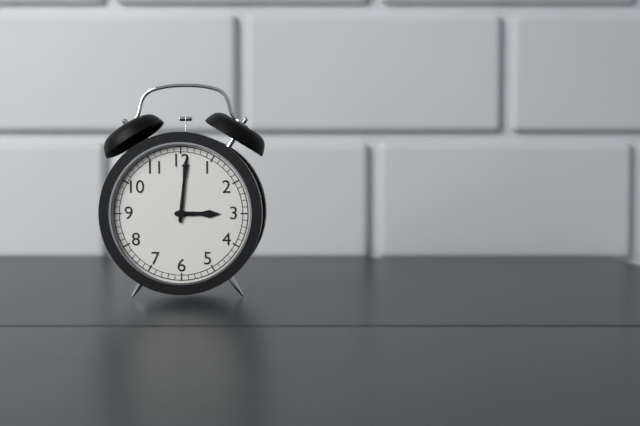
**3:01**
